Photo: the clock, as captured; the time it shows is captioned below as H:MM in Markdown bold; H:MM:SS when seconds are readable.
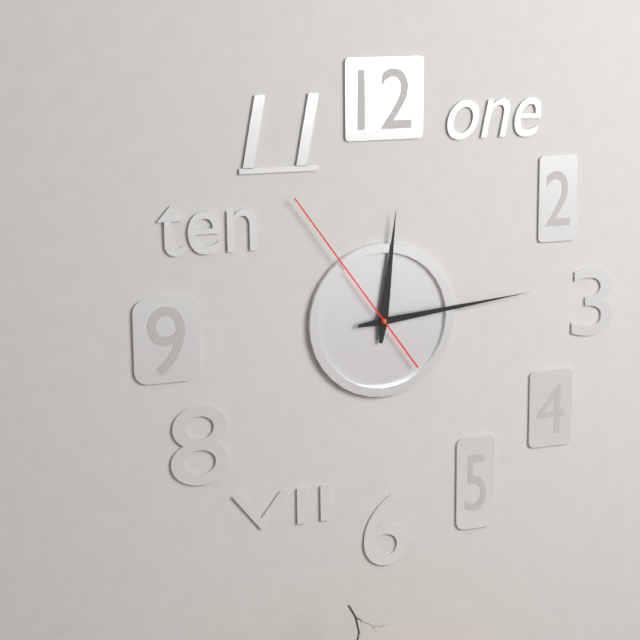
**12:14:54**
